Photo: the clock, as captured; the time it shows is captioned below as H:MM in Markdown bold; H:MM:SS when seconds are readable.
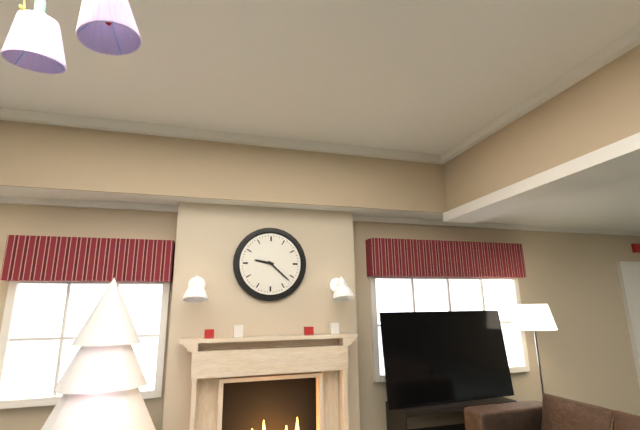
**9:22**
